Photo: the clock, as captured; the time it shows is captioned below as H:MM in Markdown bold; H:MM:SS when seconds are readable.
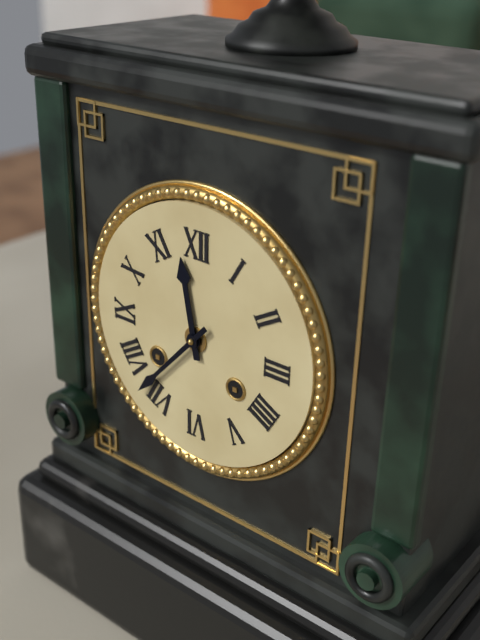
**11:37**
